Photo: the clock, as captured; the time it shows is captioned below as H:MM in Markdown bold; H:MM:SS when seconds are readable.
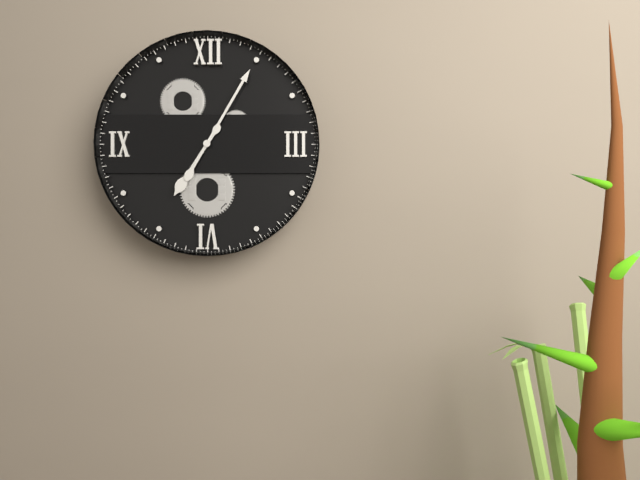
**7:05**
